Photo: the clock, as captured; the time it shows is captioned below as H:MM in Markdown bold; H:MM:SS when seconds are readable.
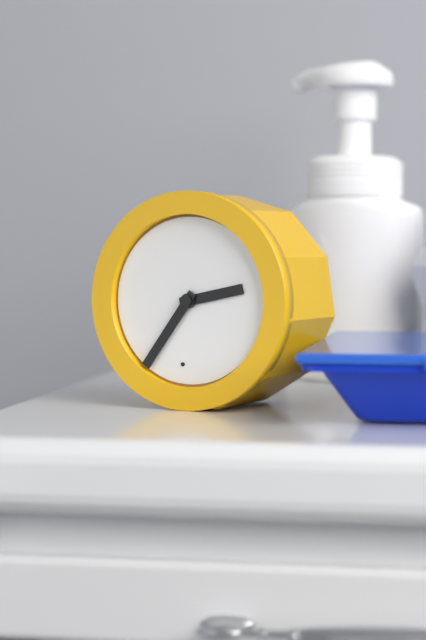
**2:36**
